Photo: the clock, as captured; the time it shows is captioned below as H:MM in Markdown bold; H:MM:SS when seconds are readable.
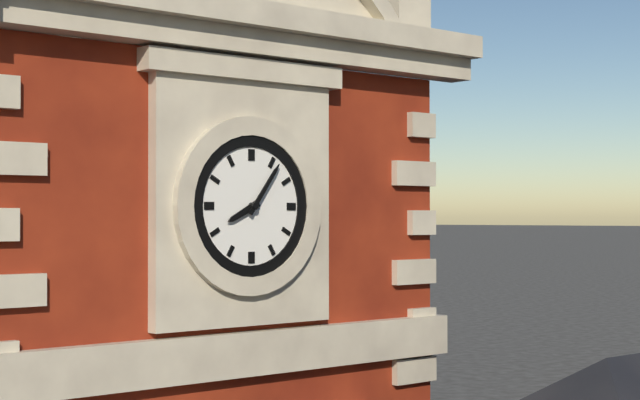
**8:06**
